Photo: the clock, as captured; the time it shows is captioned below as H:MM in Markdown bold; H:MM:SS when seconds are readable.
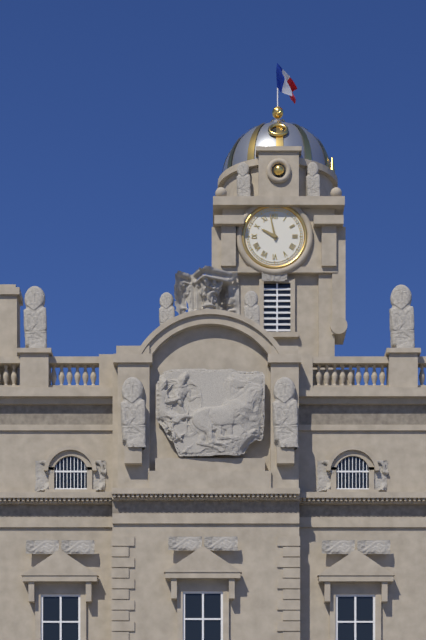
**9:58**
